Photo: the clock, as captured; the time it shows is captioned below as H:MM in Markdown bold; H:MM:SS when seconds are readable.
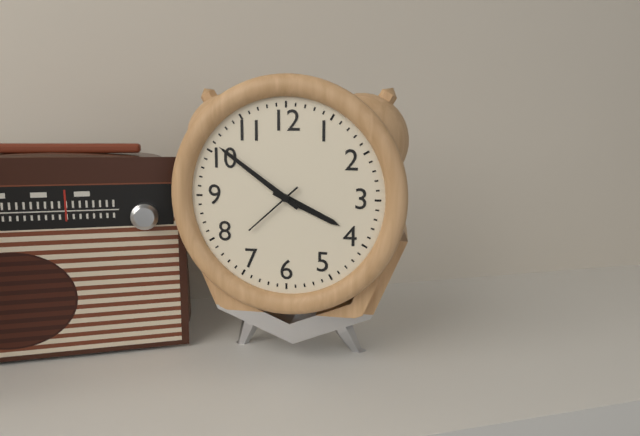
**3:51:38**
